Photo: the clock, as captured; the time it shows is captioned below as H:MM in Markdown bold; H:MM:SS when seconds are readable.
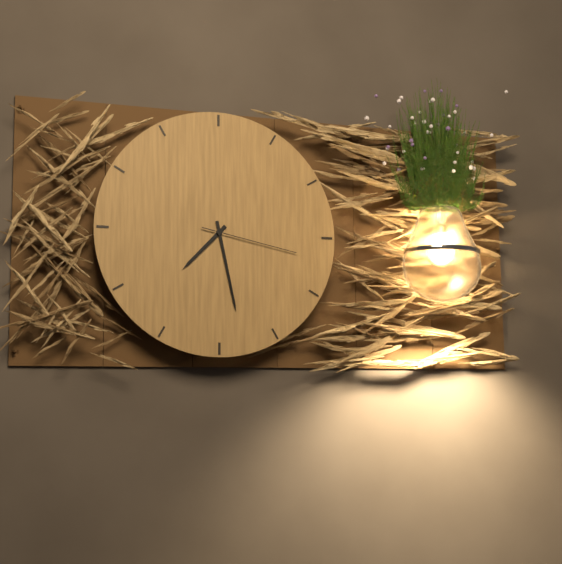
**7:28:17**
